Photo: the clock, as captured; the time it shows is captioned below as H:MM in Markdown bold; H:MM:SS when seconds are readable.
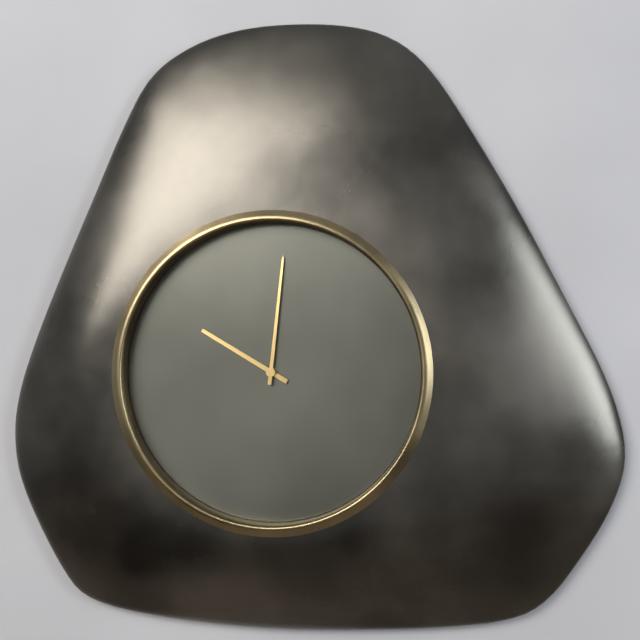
**10:01**
